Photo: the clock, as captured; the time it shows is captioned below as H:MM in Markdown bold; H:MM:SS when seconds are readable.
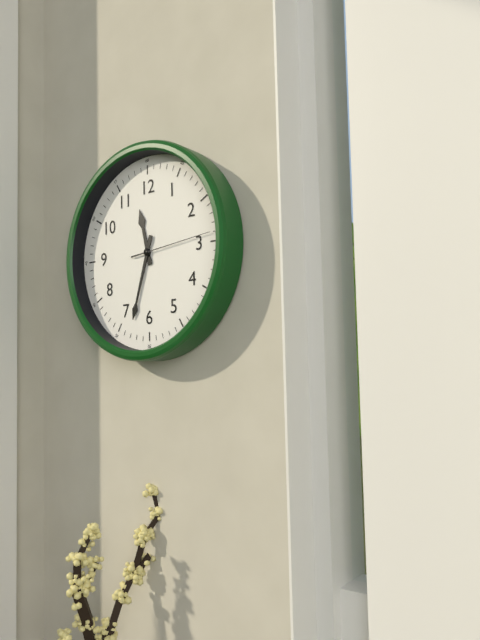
**11:33:14**
